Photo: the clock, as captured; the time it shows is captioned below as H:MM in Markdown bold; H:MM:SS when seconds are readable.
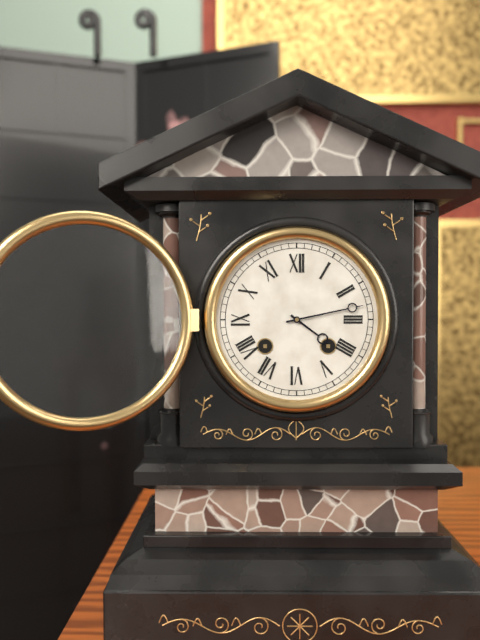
**4:13**
